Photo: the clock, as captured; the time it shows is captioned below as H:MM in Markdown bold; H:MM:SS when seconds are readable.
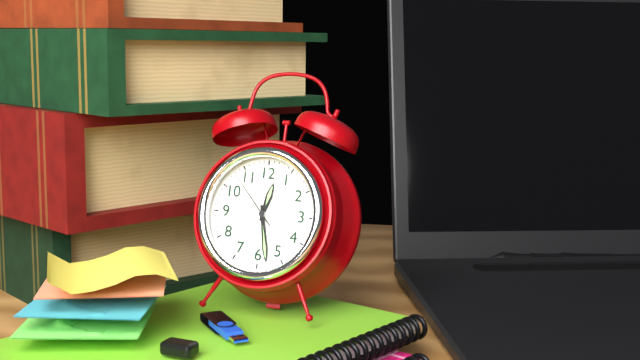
**12:28:53**
